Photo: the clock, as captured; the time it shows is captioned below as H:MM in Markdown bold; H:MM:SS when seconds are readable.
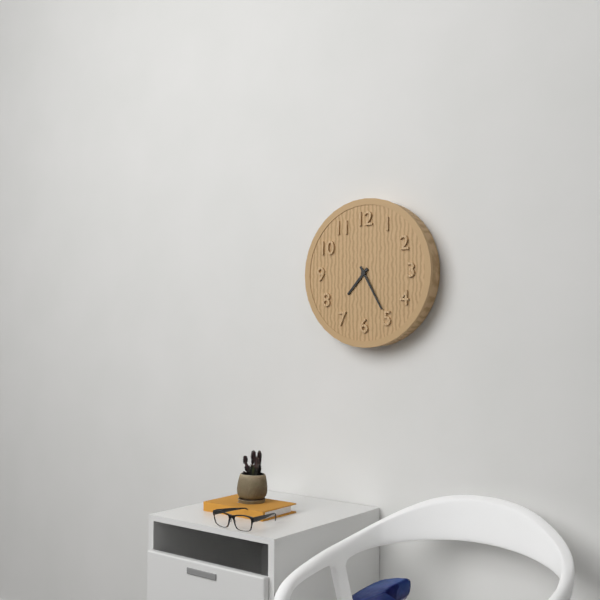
**7:25**
